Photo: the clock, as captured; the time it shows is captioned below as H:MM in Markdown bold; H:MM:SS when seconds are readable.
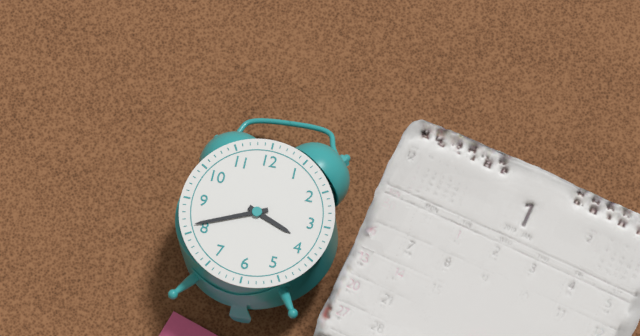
**3:41**
